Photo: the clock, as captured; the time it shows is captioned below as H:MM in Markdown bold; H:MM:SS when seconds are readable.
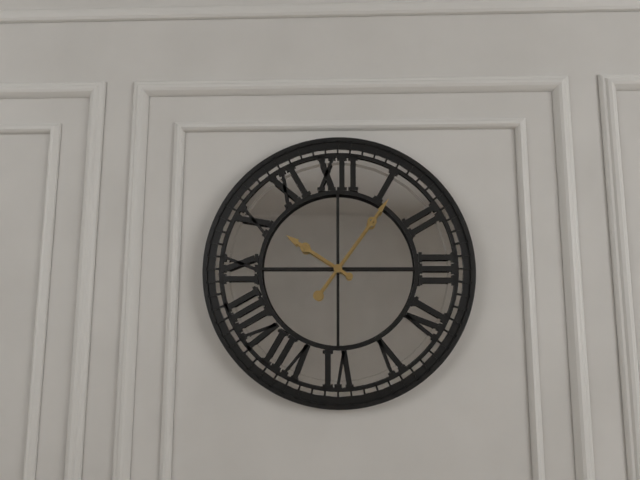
**10:06**
